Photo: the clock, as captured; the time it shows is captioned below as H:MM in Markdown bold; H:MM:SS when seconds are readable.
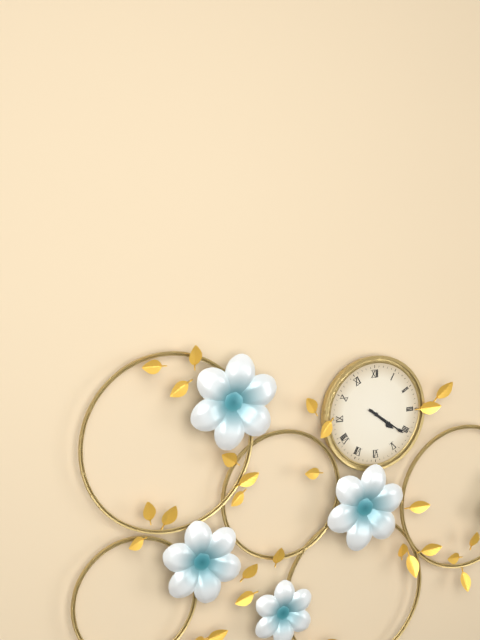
**4:21**
